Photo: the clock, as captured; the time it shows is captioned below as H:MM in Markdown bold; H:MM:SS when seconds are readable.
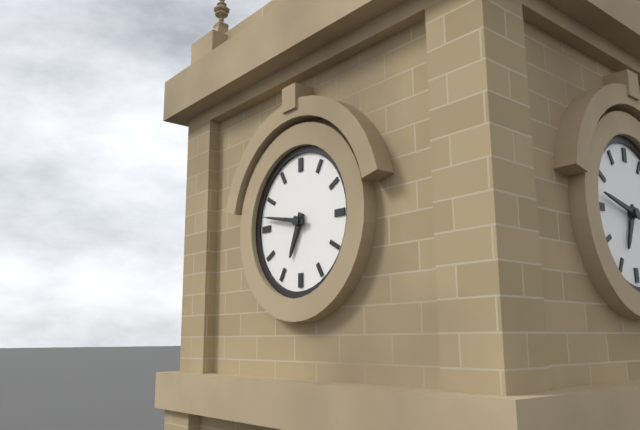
**6:47**
